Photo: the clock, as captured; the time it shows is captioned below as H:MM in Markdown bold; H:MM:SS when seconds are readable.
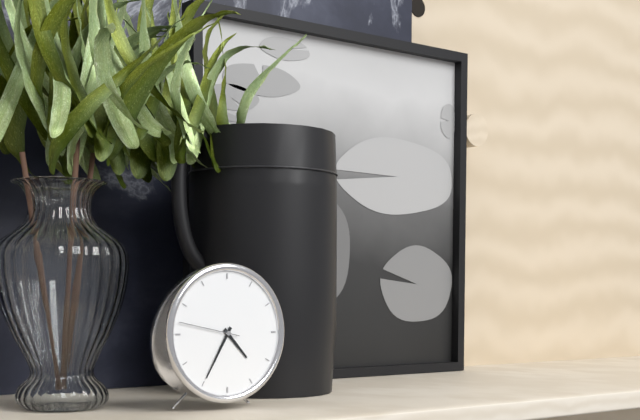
**4:35:47**
